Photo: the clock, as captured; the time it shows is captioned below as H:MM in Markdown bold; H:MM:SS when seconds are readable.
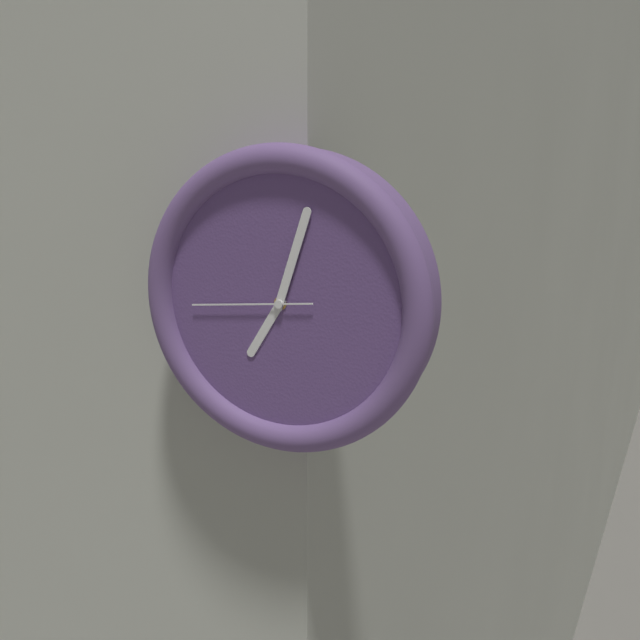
**7:03:44**
